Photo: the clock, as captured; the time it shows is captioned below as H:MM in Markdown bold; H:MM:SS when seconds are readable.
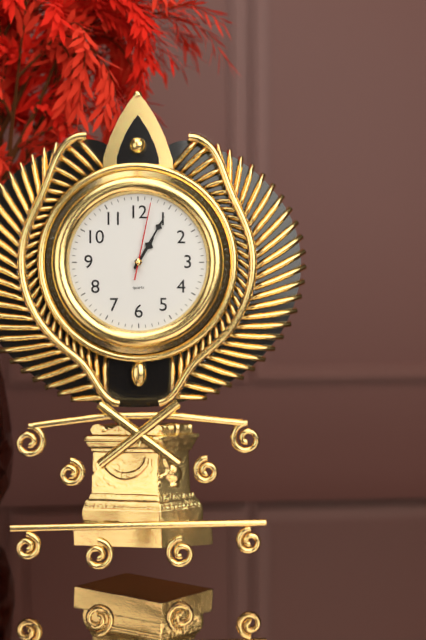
**1:05:02**
